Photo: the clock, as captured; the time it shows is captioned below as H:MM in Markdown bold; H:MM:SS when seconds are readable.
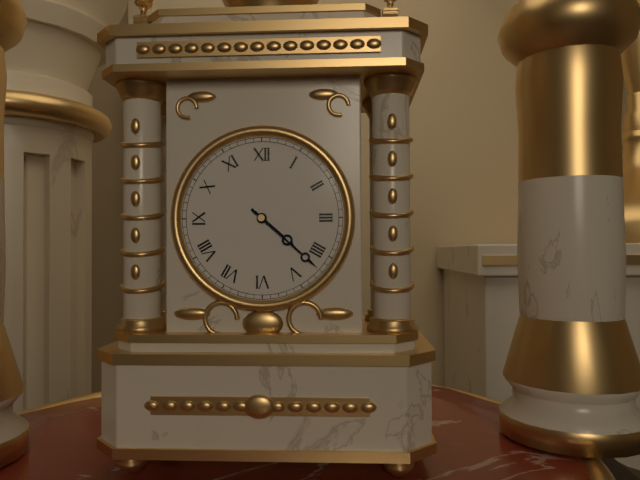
**4:22**
